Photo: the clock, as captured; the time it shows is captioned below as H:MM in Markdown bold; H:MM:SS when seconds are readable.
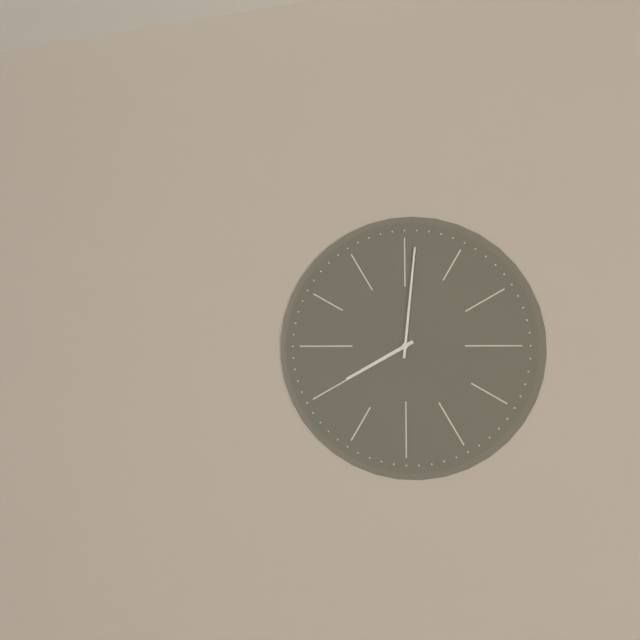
**8:01**
